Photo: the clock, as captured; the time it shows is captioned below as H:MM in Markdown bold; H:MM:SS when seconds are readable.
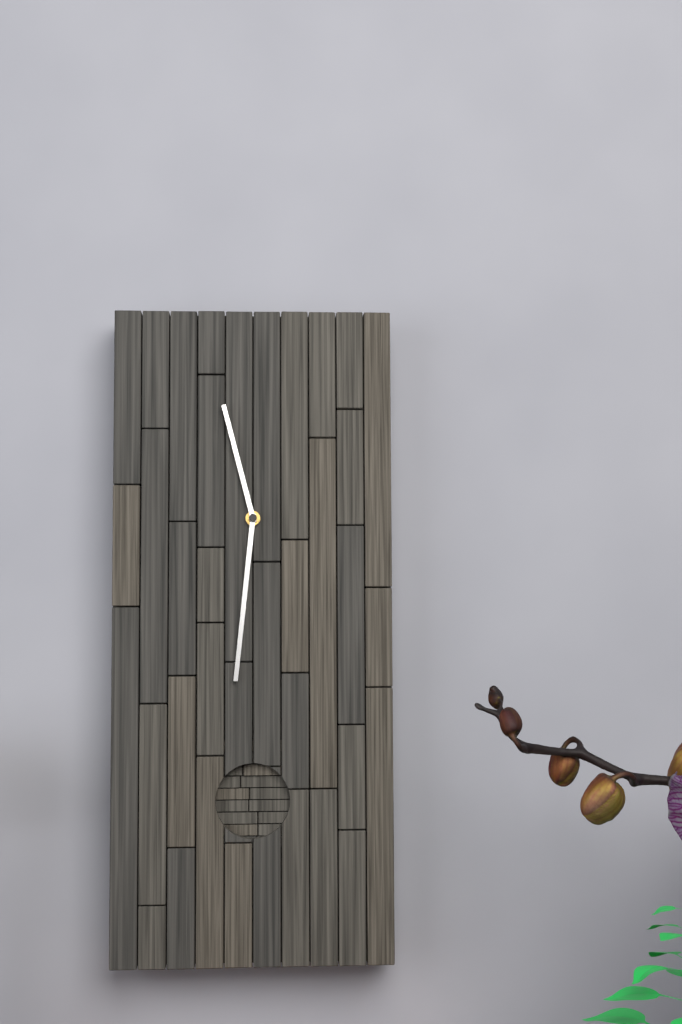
**11:31**
